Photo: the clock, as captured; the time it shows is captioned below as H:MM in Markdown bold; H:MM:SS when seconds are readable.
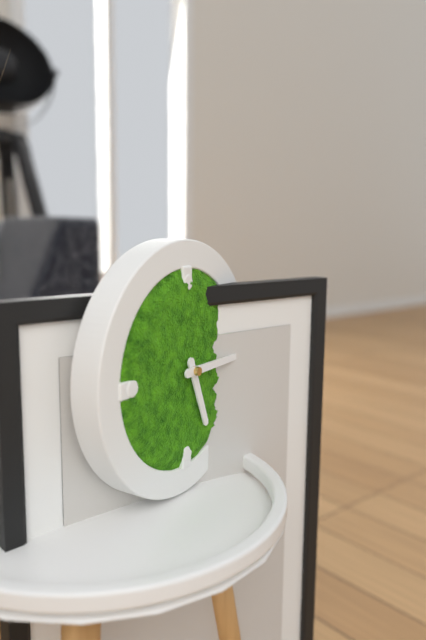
**5:15**
